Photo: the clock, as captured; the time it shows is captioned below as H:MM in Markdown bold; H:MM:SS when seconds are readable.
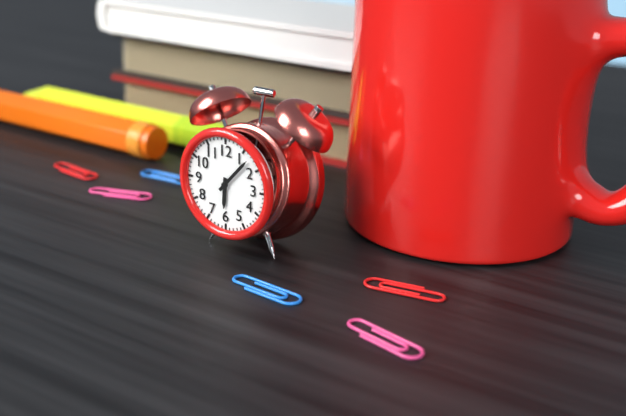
**6:07**
